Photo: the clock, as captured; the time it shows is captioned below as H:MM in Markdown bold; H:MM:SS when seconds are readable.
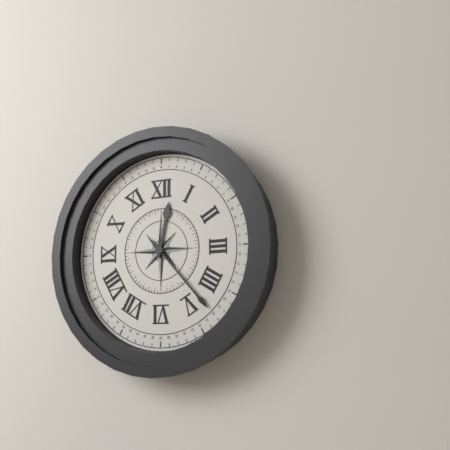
**12:23**
